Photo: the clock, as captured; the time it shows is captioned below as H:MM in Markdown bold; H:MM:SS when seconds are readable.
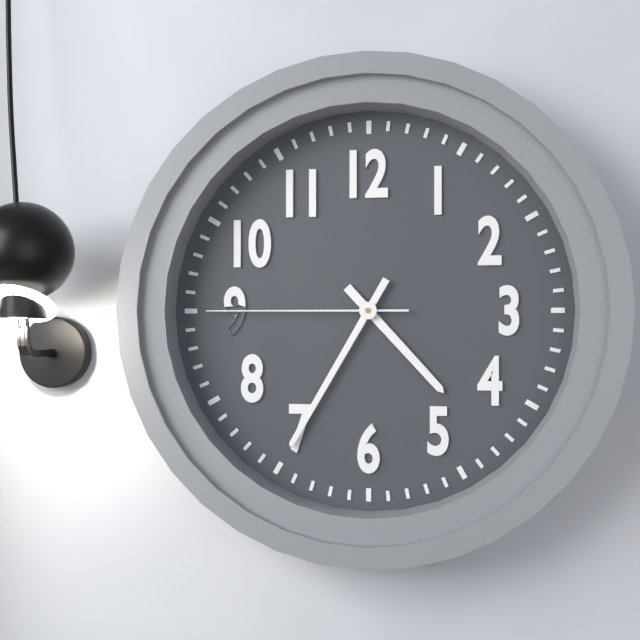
**4:35:45**
